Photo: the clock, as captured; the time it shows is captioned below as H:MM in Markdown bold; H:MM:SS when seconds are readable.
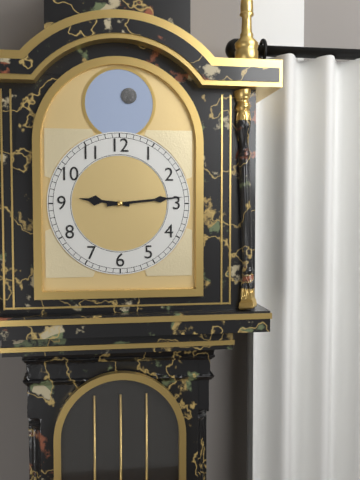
**9:14**
